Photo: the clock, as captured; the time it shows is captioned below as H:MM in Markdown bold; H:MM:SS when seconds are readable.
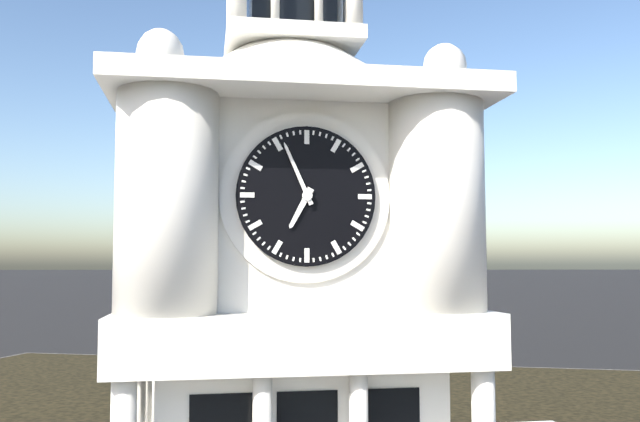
**6:56**
